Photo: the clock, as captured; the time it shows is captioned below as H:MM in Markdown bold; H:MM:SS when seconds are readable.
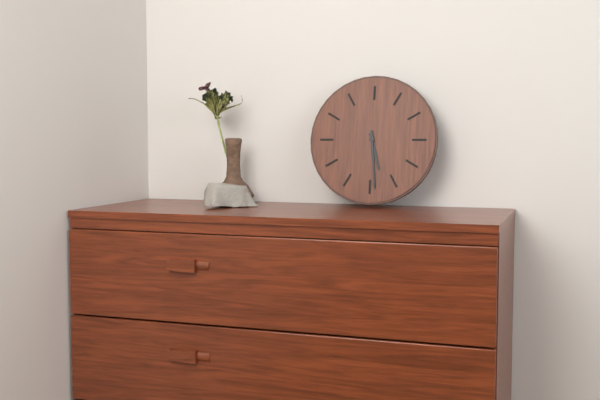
**5:29**
